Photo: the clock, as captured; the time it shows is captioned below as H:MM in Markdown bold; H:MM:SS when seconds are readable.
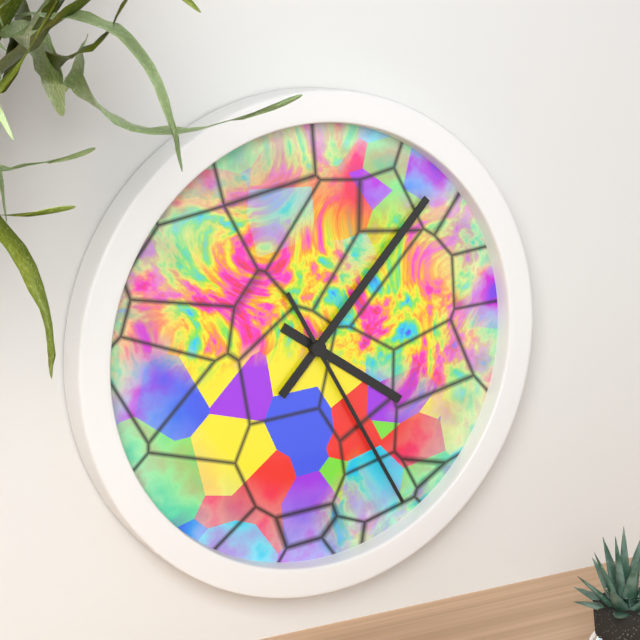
**4:07:25**
